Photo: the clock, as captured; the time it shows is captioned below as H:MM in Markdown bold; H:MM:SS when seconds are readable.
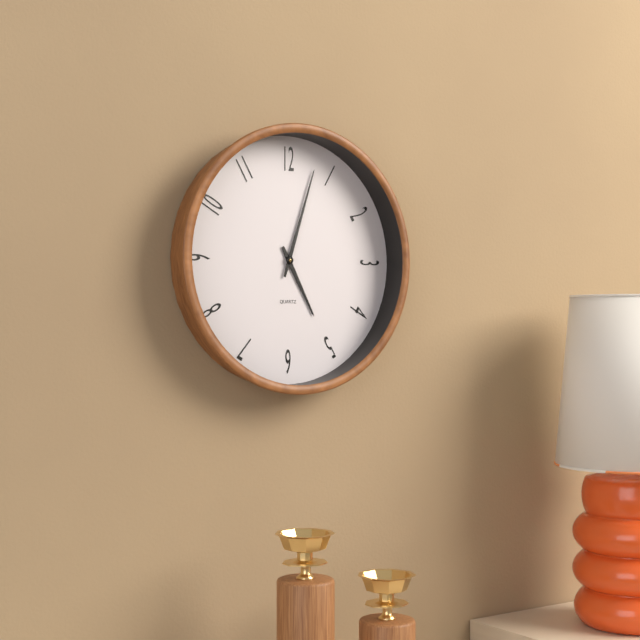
**5:03**
